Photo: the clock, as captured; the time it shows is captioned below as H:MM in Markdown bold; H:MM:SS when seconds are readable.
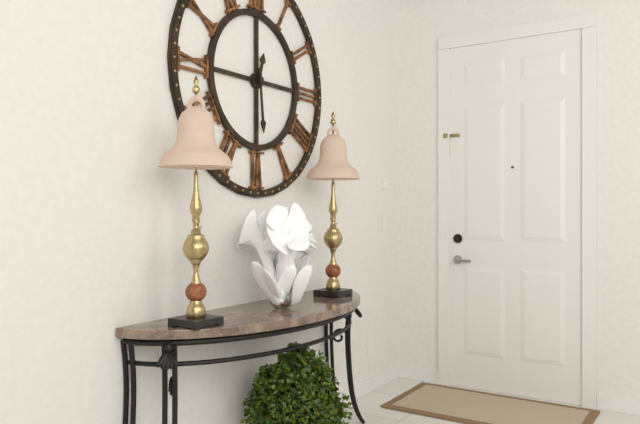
**12:29**
